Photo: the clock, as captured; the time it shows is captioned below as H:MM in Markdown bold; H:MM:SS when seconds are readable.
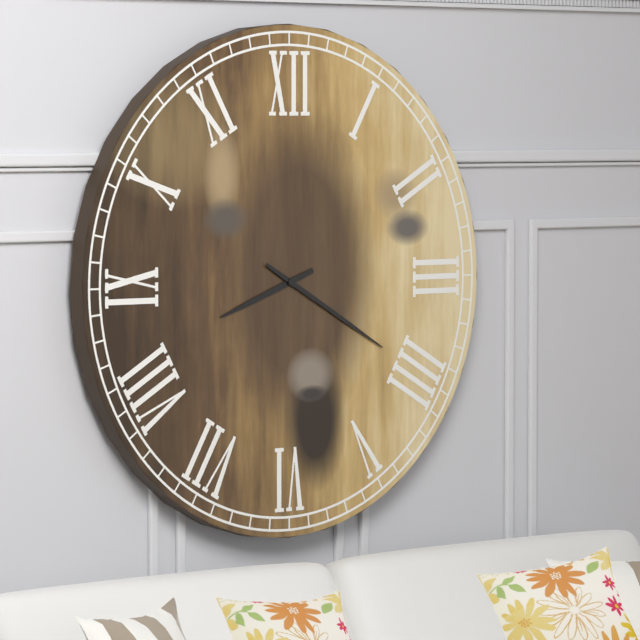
**8:20**
